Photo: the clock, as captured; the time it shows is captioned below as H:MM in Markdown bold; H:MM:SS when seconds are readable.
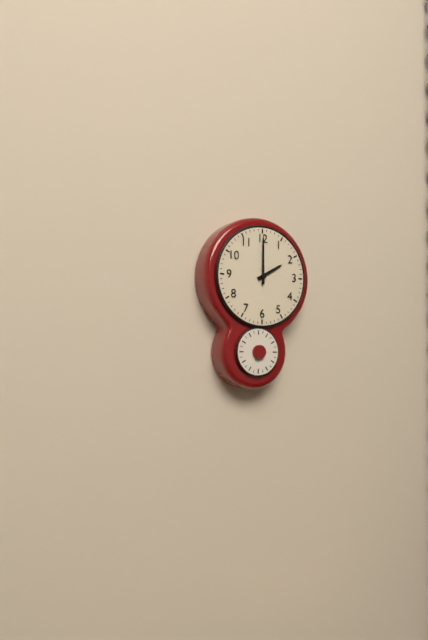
**2:00**
